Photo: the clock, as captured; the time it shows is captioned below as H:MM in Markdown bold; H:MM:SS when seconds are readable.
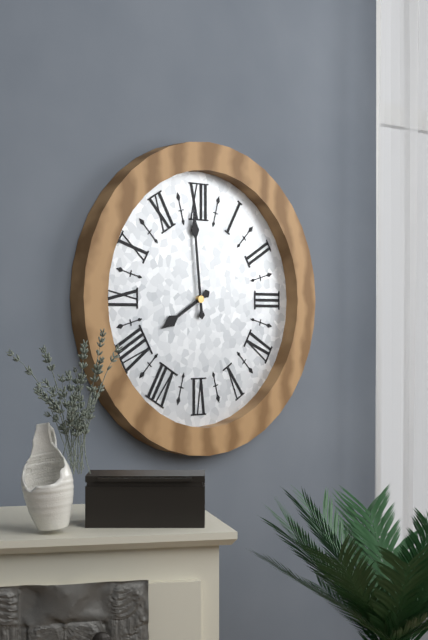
**7:59**
